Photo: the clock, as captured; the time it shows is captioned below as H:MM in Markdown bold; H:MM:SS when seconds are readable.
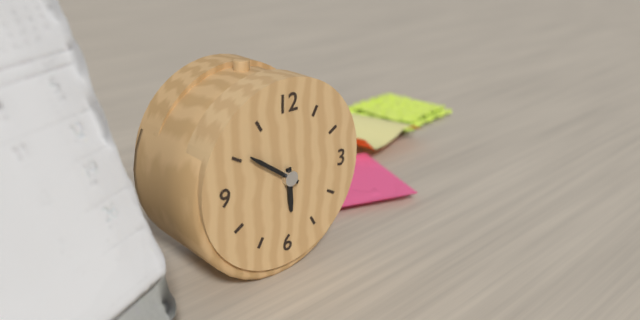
**5:51**
